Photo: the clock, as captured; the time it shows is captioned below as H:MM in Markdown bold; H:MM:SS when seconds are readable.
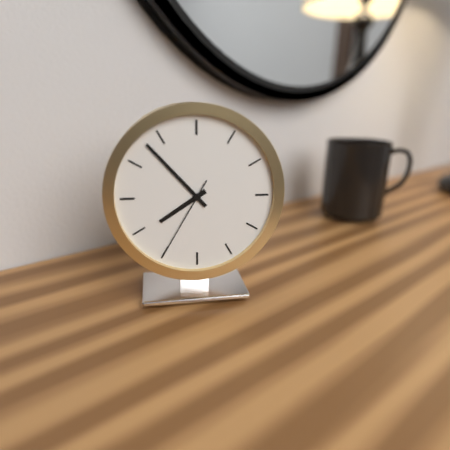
**7:53:35**
